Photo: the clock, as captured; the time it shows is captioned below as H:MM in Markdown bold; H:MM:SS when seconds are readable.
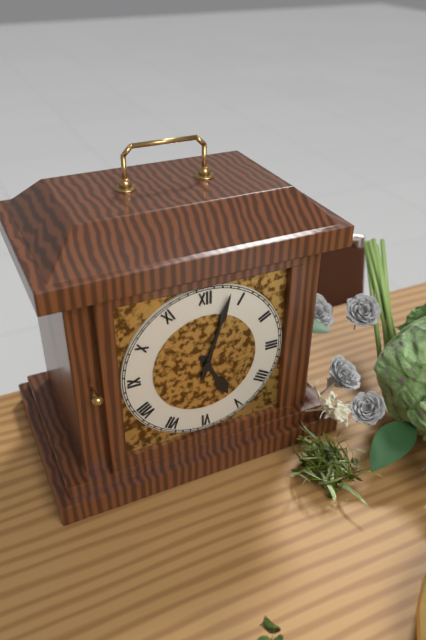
**5:03**
